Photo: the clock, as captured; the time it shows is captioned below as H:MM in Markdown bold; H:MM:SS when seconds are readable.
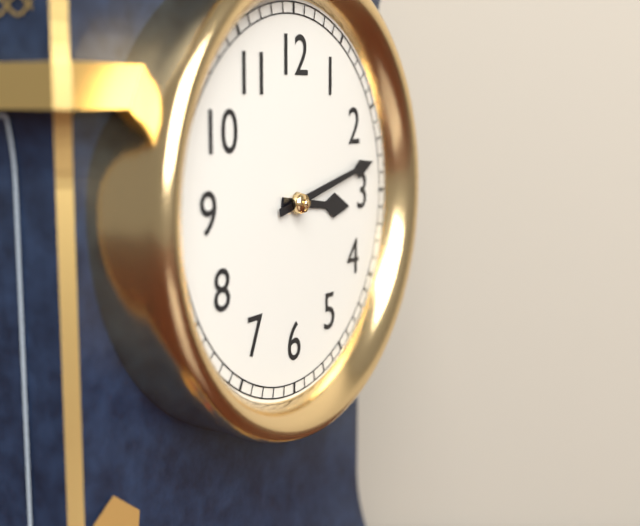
**3:13**
